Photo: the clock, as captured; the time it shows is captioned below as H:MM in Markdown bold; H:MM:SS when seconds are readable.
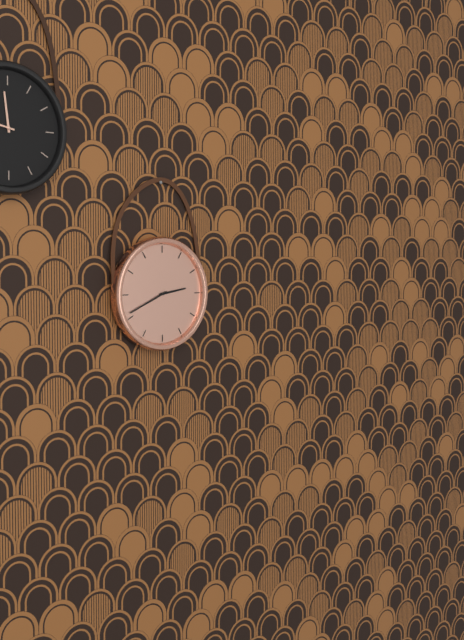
**2:41**
